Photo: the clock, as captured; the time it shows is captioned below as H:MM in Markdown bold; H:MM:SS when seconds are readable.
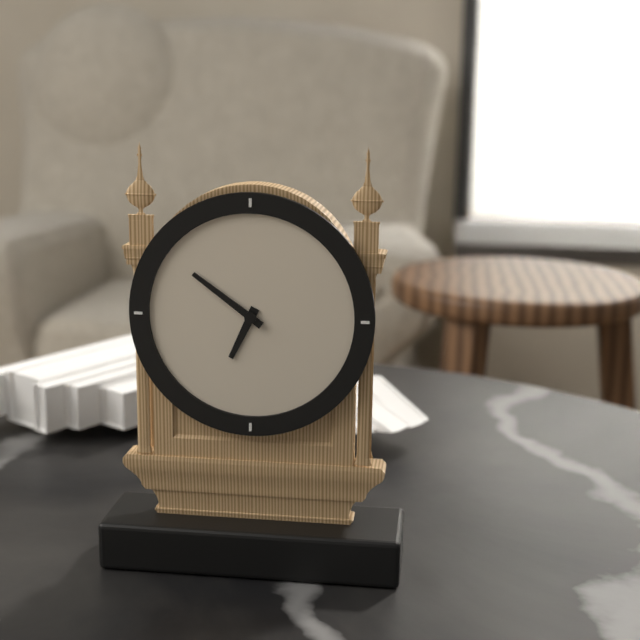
**6:51**
